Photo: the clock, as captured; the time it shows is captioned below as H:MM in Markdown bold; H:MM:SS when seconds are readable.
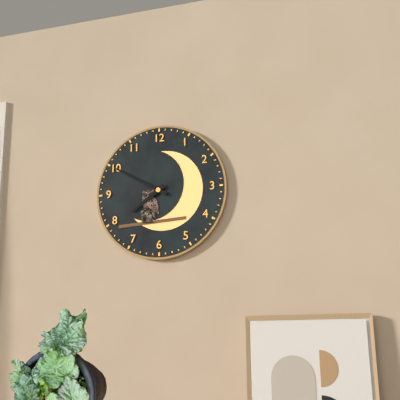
**7:50**
